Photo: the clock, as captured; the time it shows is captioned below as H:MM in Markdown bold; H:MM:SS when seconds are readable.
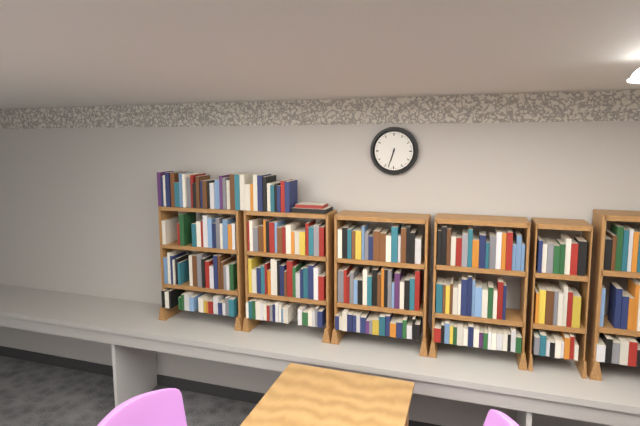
**6:33**
